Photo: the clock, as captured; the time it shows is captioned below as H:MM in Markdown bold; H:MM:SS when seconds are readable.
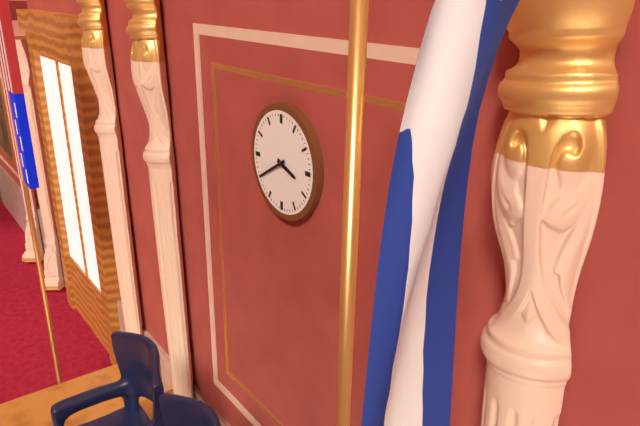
**3:40**
